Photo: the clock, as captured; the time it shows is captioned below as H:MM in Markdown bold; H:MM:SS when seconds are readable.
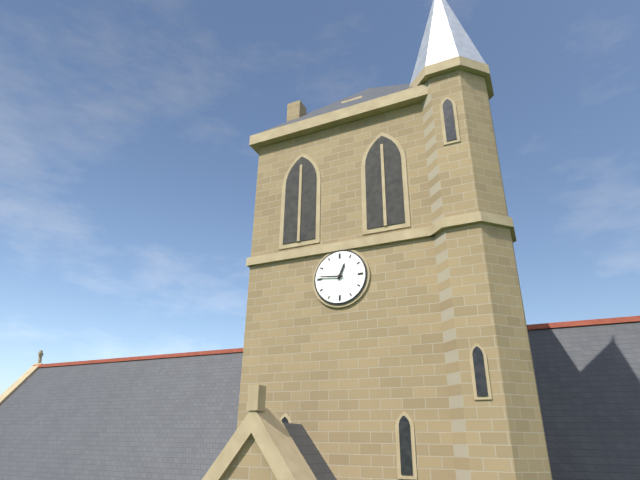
**12:46**
